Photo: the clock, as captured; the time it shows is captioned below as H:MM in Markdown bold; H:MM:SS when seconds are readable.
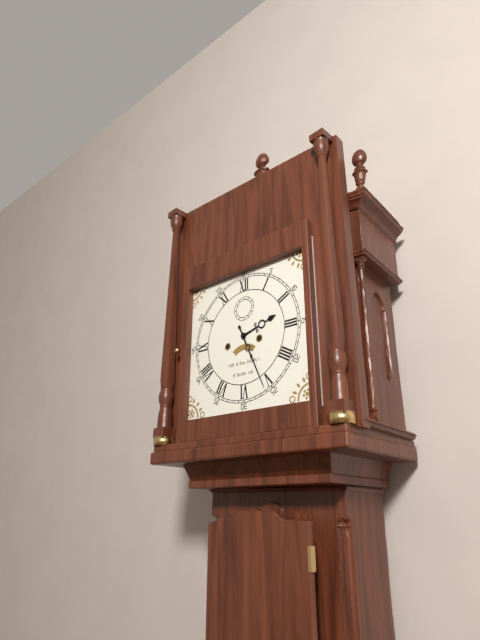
**2:26**
